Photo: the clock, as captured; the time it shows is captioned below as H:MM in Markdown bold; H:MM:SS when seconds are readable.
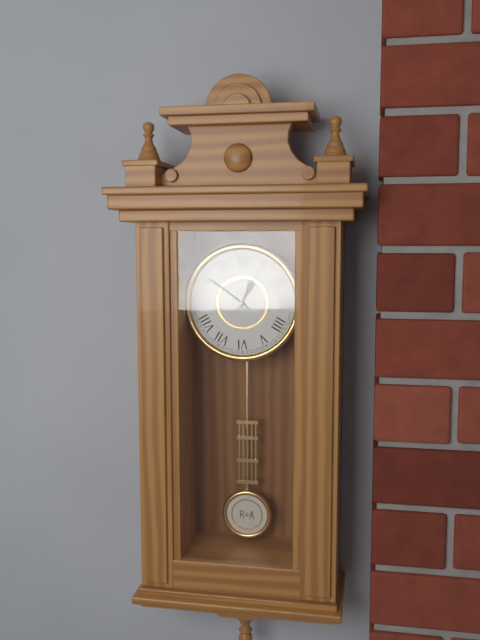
**12:51**
